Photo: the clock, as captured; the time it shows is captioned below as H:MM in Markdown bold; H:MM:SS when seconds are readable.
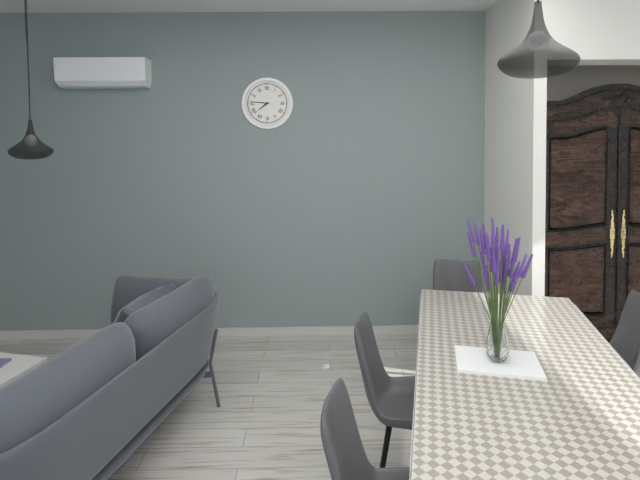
**7:46**
